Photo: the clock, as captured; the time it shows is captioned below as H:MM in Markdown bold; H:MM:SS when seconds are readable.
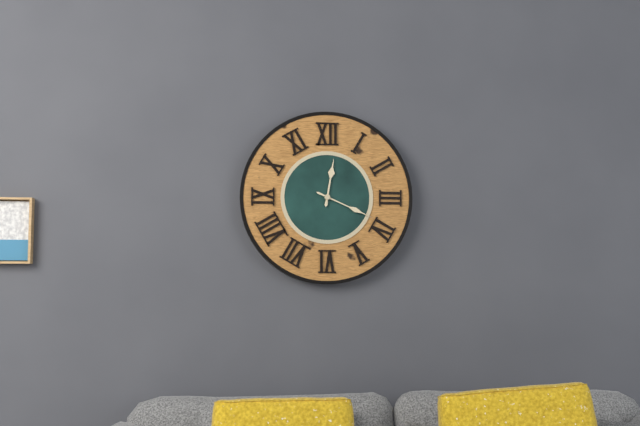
**12:19**
